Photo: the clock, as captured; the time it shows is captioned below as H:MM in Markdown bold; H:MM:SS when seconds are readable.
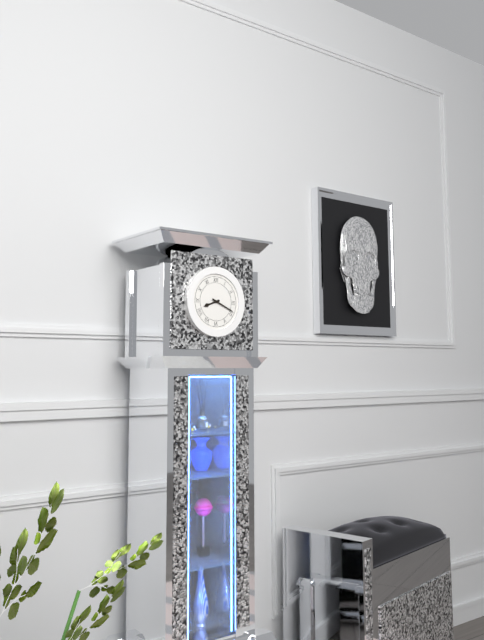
**8:19**
